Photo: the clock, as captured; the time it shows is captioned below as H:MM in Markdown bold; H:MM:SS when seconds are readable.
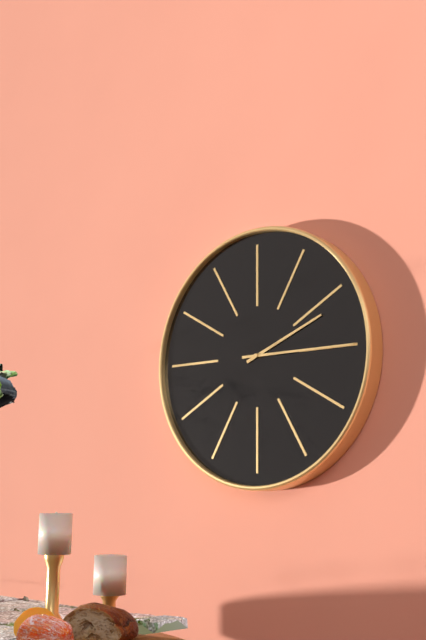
**2:15**
